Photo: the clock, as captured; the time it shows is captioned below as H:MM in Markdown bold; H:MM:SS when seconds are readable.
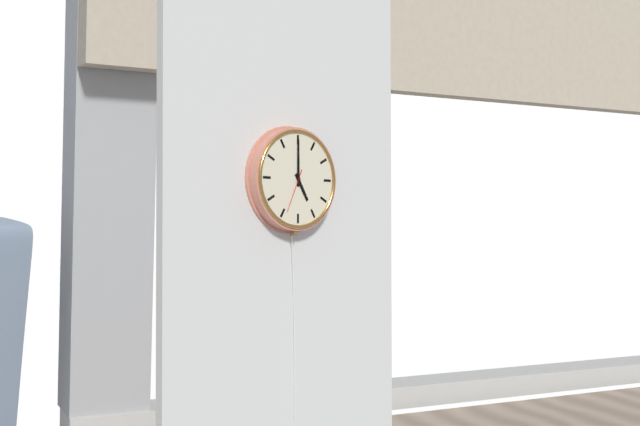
**5:00**
